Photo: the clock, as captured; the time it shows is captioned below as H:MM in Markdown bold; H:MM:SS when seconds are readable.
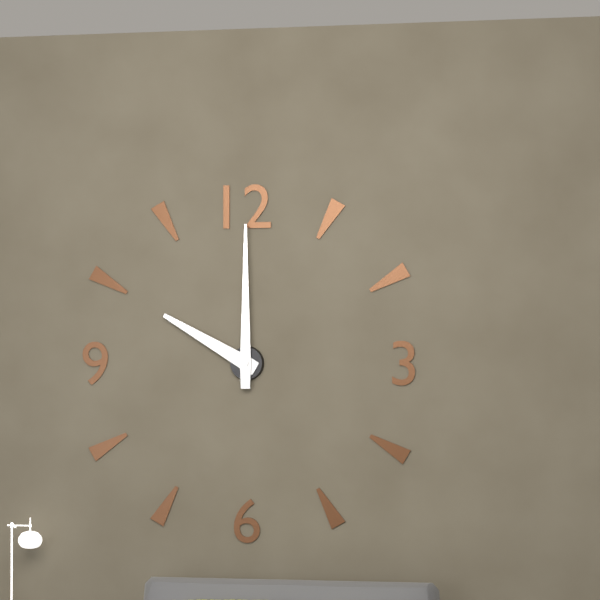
**10:00**
